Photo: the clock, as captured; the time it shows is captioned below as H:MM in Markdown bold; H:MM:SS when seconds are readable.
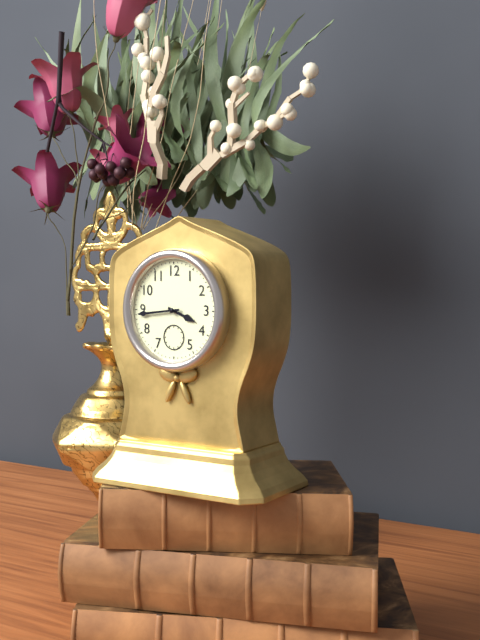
**3:44**
